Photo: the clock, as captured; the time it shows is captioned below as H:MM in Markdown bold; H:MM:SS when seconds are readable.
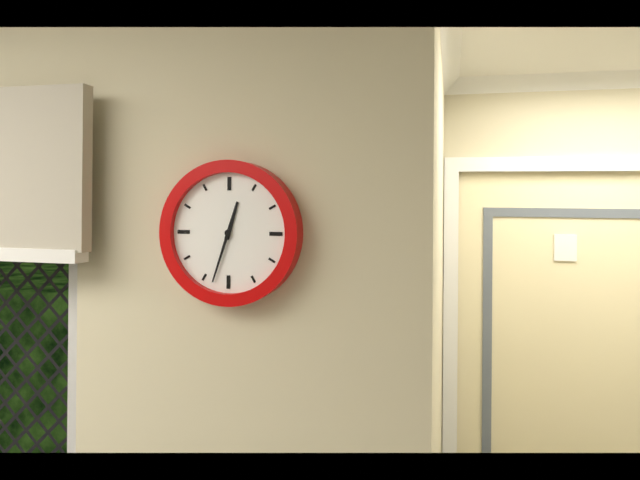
**12:33**
